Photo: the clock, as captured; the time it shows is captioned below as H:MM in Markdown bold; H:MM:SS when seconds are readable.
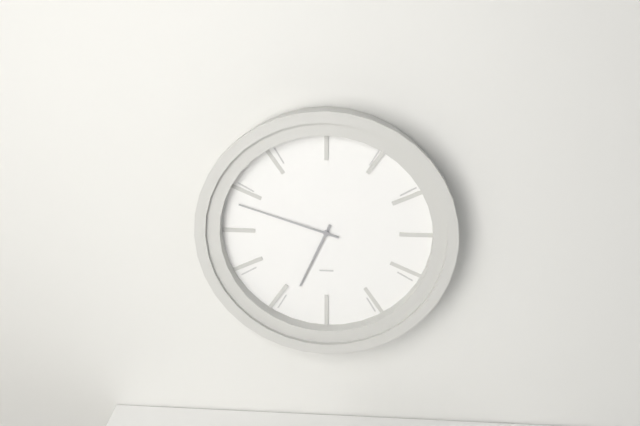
**6:48**
